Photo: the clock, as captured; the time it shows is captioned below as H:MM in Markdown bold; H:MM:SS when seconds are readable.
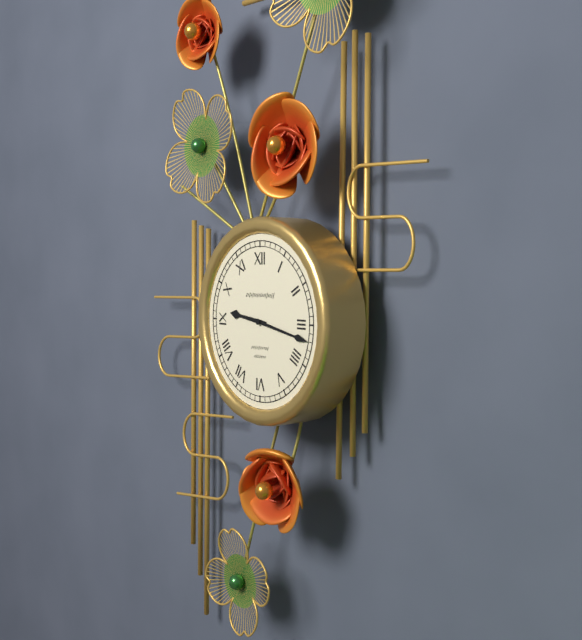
**9:17**
